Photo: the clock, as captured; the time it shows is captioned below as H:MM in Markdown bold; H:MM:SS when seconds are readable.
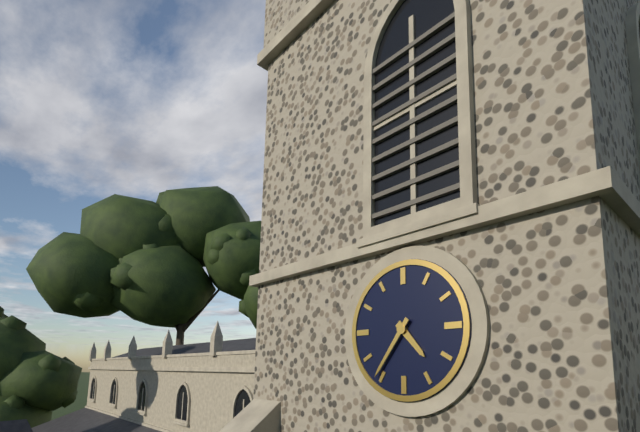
**4:36**
